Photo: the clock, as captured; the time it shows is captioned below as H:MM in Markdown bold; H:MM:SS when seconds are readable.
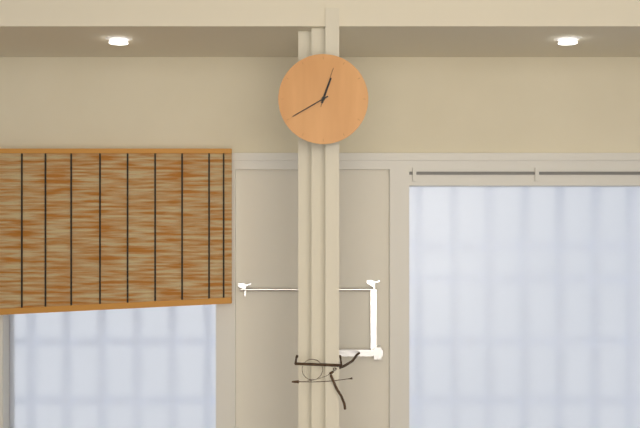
**12:40**
